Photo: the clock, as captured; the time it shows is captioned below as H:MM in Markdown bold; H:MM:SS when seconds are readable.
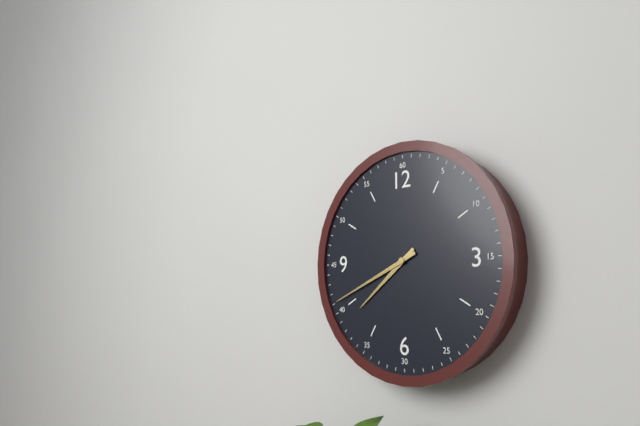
**7:41**
